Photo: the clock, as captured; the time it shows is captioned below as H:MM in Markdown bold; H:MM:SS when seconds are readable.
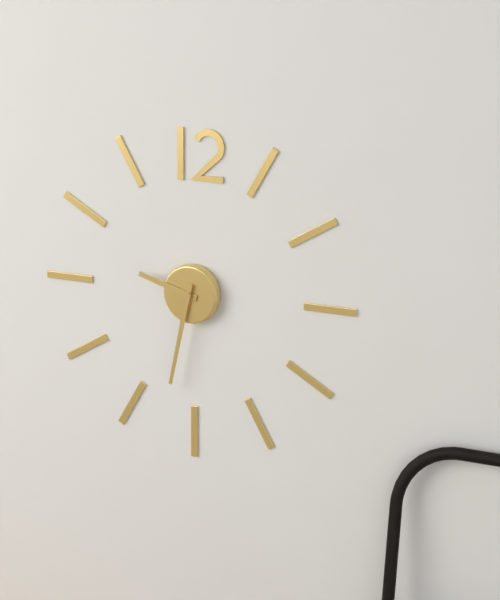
**9:32**
